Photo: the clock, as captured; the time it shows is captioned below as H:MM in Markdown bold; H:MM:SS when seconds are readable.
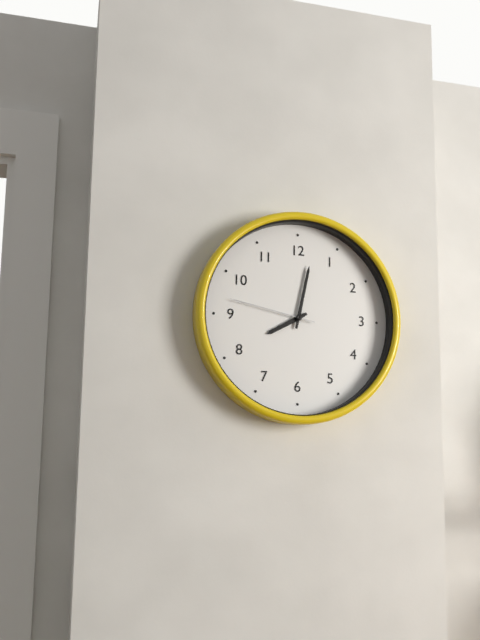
**8:02:47**
